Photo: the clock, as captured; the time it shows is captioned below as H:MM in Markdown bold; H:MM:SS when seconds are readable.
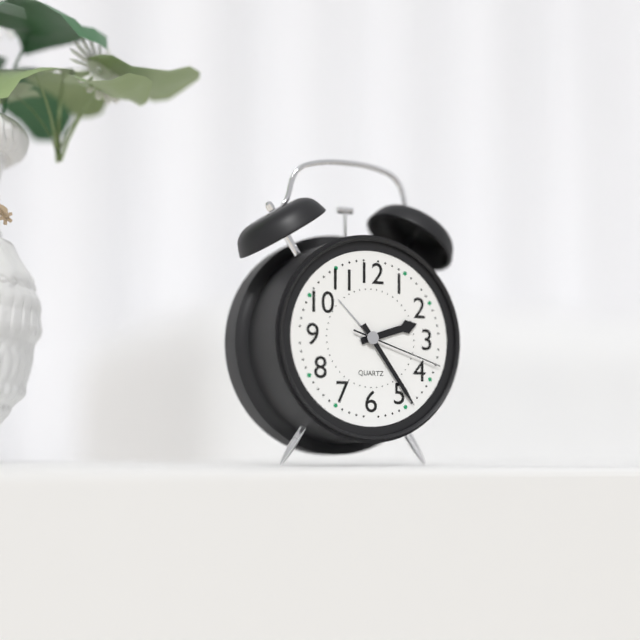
**2:24:18**
